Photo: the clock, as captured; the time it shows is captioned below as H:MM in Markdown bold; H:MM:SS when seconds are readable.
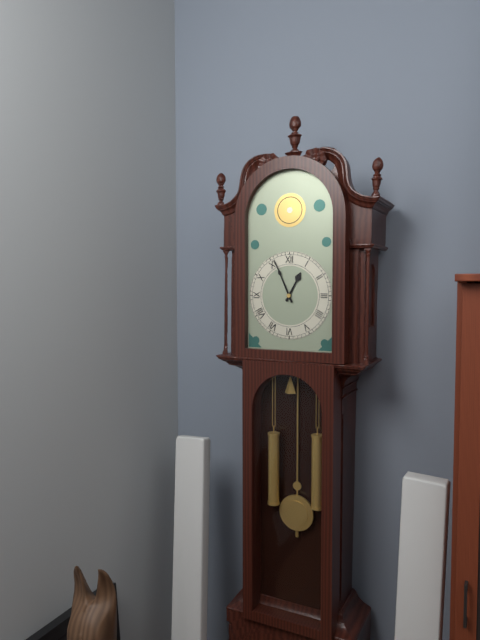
**12:56**
